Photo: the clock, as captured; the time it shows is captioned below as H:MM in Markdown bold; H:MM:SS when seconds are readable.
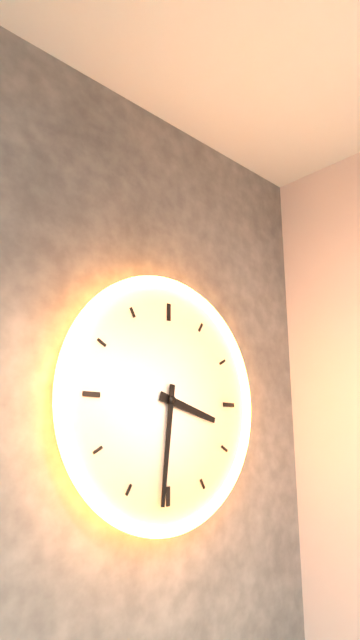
**3:31**
